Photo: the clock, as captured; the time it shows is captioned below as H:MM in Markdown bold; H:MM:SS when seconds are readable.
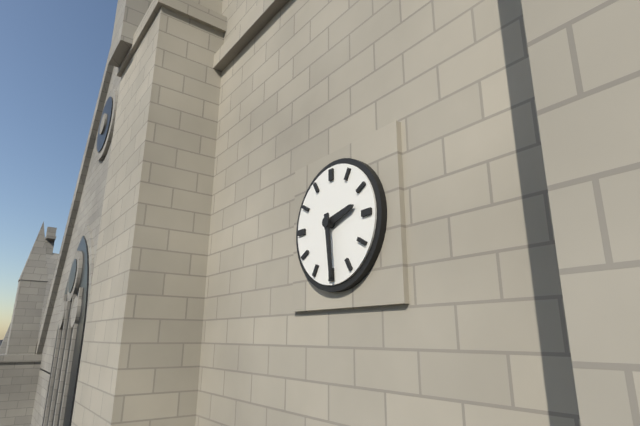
**2:29**
